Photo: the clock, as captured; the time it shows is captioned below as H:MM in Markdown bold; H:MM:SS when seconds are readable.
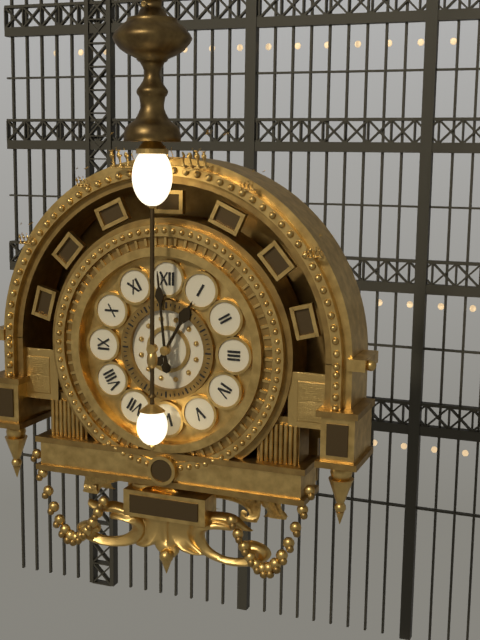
**12:59**
